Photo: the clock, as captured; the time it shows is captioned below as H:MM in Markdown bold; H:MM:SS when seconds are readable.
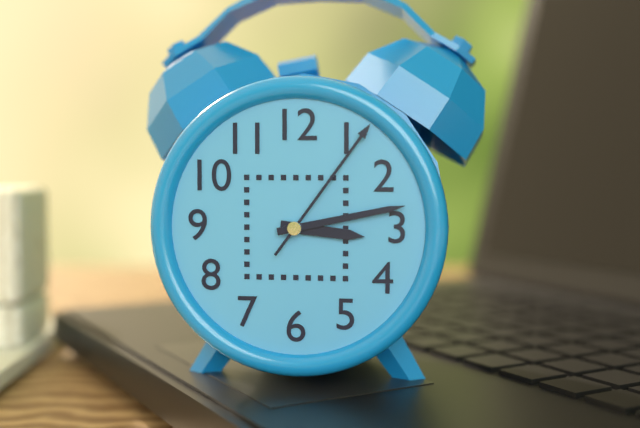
**3:13:06**
